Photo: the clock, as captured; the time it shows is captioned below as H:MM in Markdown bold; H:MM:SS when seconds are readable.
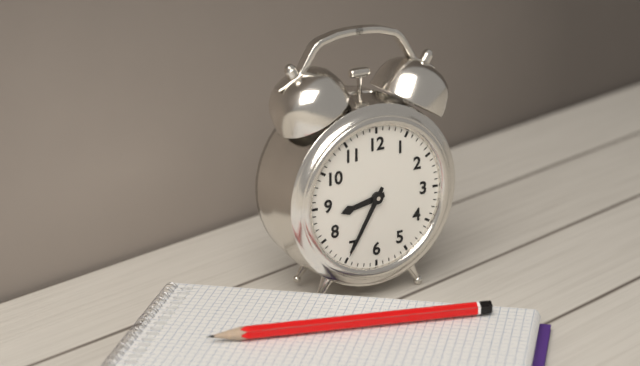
**8:35**
